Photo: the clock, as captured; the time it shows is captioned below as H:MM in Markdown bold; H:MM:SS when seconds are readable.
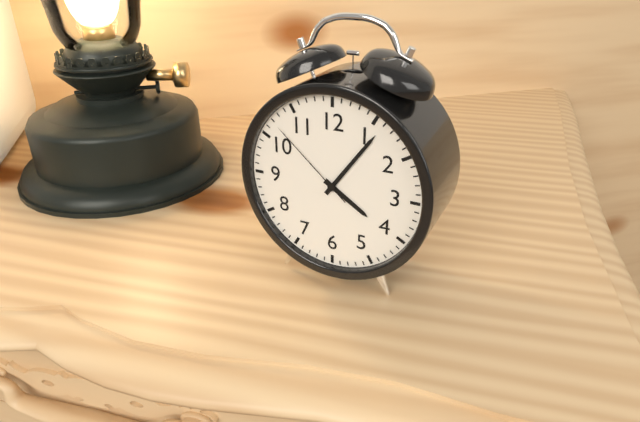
**4:06:52**
